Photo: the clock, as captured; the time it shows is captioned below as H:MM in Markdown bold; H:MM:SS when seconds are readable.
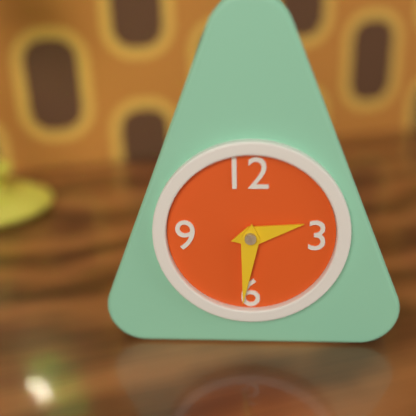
**2:31**
